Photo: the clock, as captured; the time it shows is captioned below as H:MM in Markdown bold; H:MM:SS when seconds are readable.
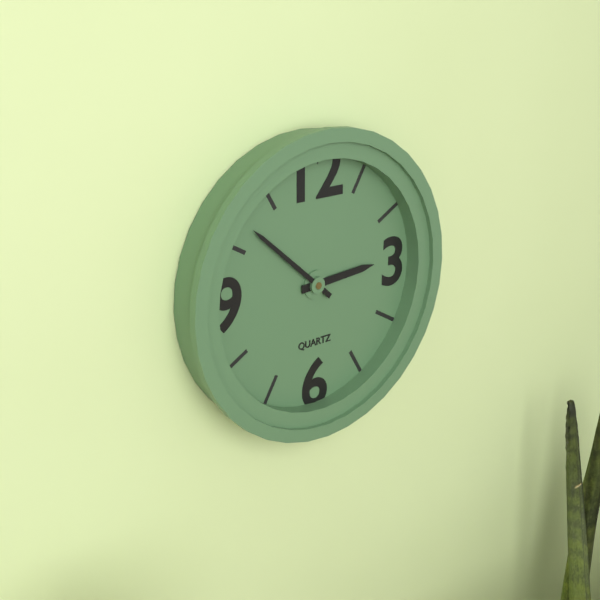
**2:52**
